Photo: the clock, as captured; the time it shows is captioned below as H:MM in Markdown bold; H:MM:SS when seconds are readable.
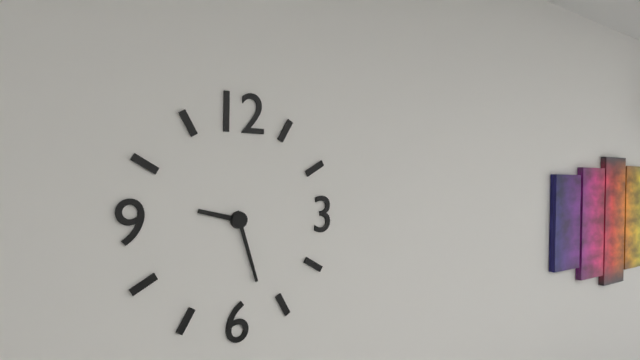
**9:27**
